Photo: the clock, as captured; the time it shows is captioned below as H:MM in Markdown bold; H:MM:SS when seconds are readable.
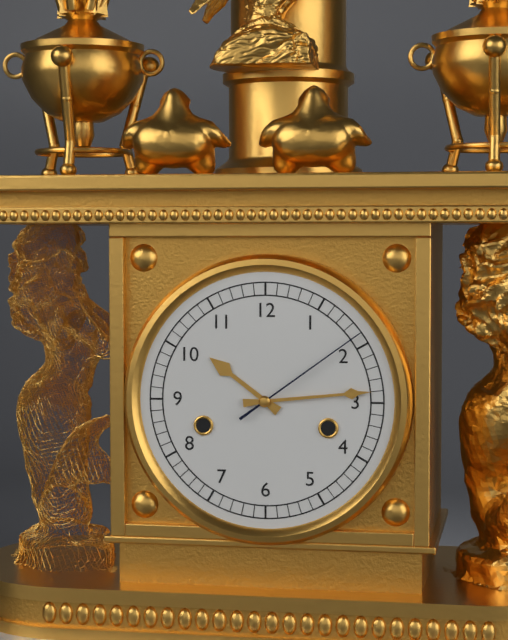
**10:14:09**
